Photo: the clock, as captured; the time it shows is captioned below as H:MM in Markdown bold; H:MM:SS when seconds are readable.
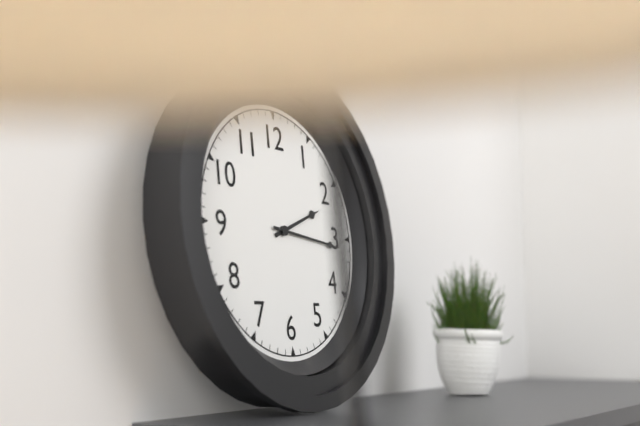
**2:16**
